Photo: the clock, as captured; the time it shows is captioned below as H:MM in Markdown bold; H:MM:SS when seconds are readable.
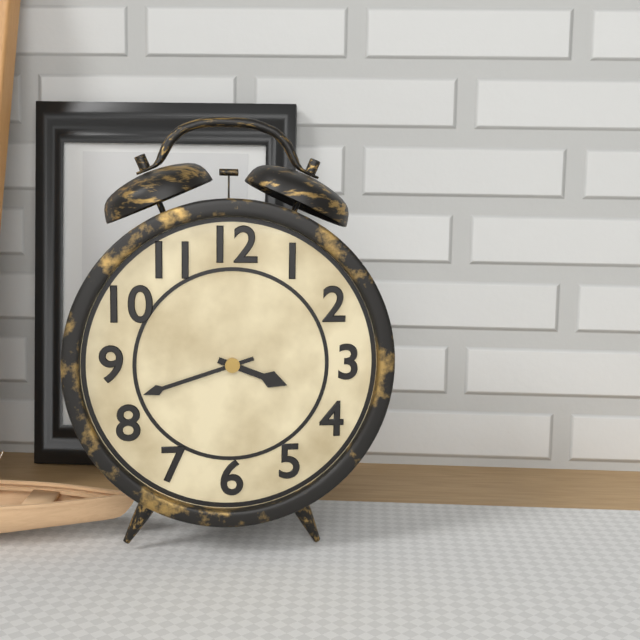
**3:42**
